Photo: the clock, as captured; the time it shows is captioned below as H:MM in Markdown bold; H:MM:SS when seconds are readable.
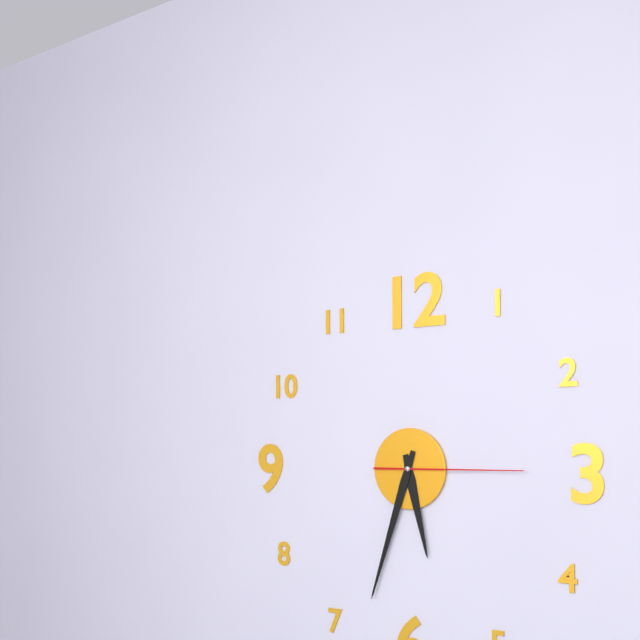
**5:33:15**
